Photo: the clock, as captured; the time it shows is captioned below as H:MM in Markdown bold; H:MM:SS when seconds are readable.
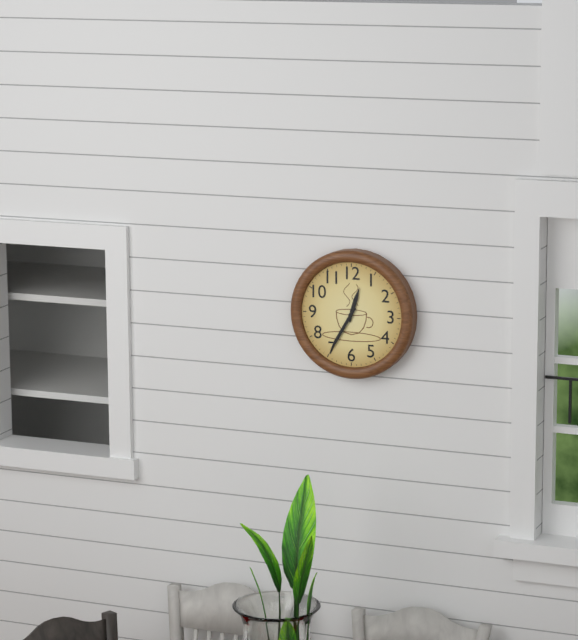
**12:35**
